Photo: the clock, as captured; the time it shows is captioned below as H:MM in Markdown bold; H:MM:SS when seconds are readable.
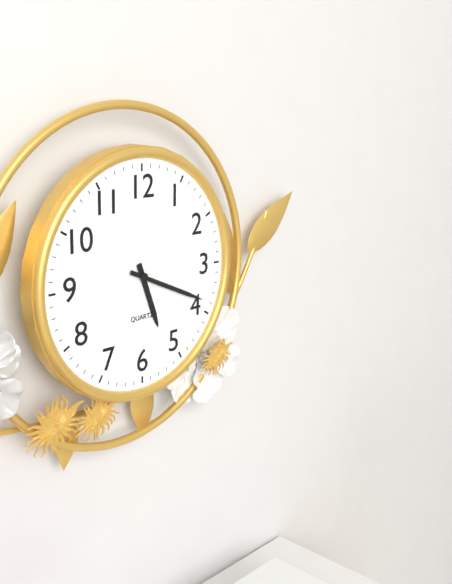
**5:19**
